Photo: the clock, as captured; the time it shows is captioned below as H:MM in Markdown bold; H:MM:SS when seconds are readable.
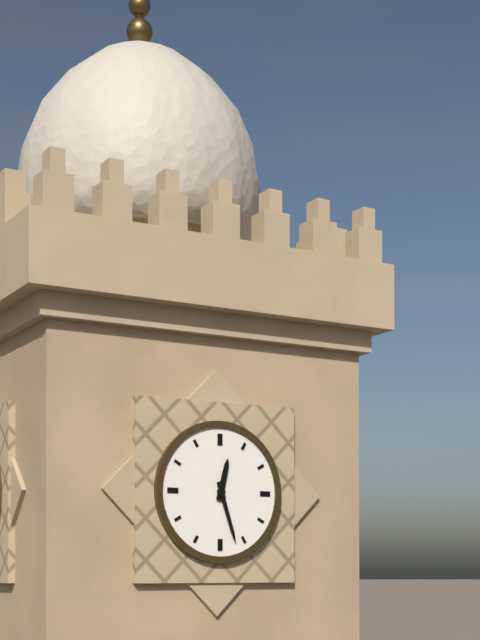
**12:27**
